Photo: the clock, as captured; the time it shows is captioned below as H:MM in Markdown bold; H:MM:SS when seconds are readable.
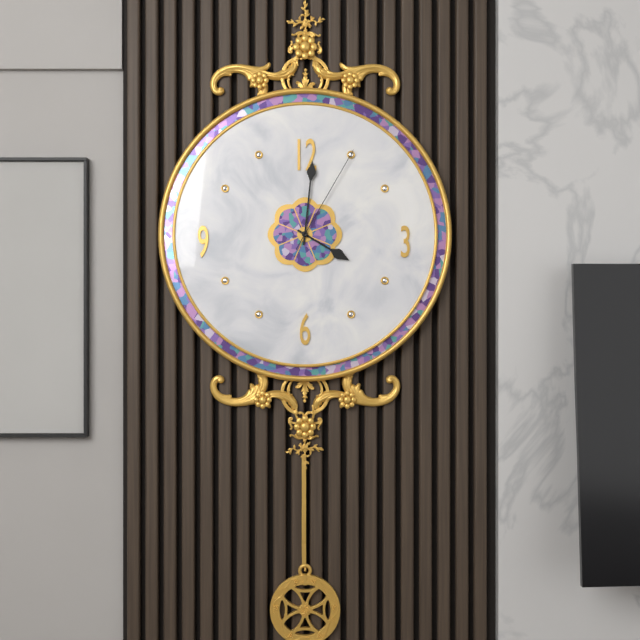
**4:01:05**
